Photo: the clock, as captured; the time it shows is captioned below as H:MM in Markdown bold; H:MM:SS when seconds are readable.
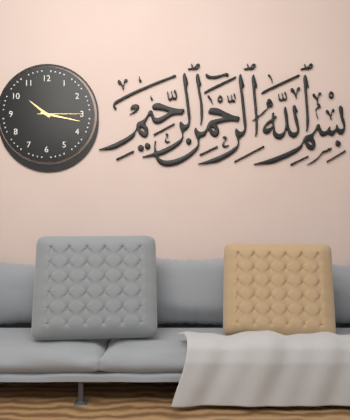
**10:17**
